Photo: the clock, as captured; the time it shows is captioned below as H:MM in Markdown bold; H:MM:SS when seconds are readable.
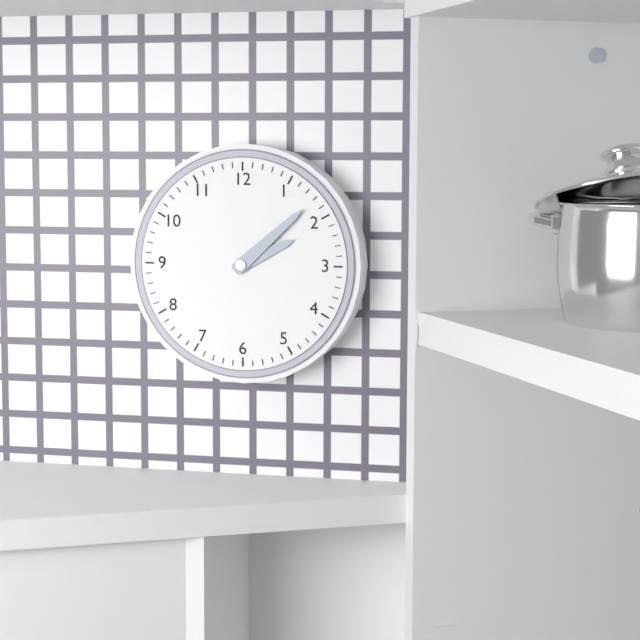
**2:08**
